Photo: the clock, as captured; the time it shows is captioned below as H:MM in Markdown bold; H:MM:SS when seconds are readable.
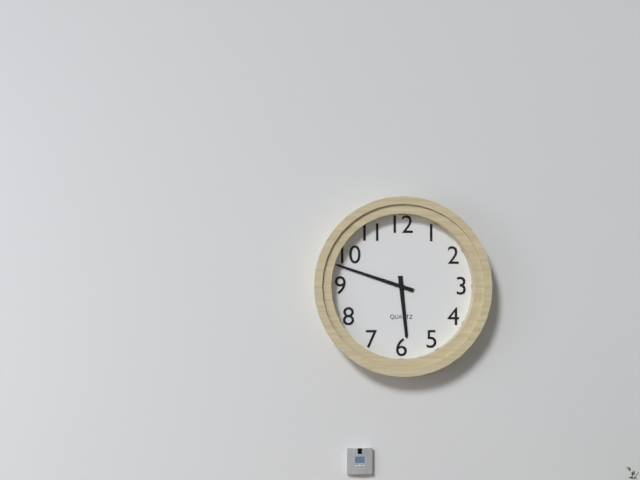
**5:48**
